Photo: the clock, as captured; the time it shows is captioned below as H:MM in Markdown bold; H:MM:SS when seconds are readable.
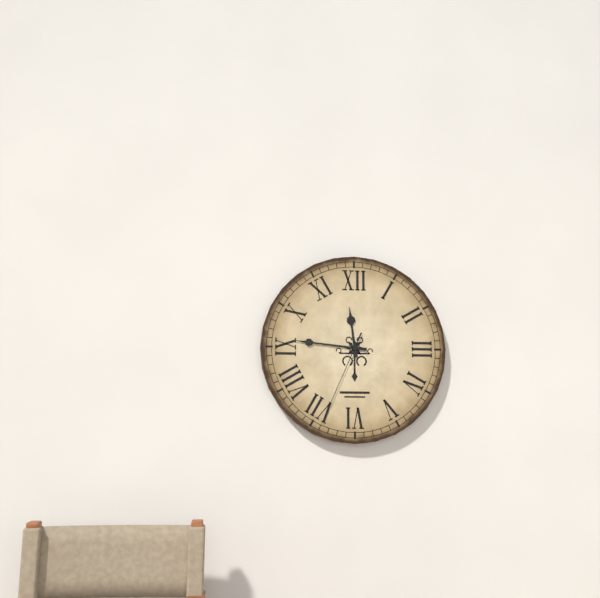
**11:46:34**
